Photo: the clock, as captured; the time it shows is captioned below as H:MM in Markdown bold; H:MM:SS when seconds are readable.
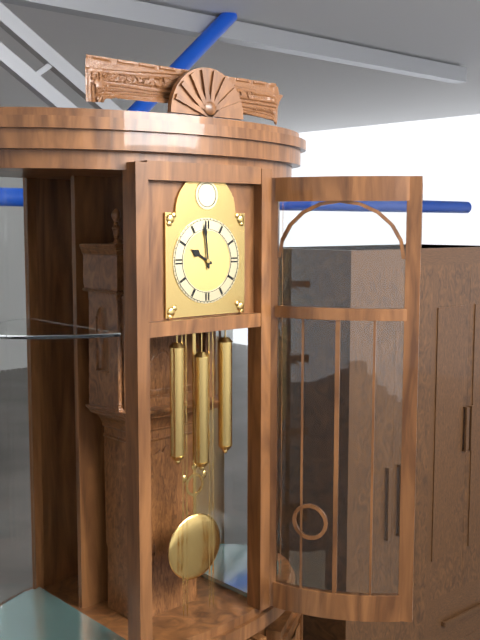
**9:59**
